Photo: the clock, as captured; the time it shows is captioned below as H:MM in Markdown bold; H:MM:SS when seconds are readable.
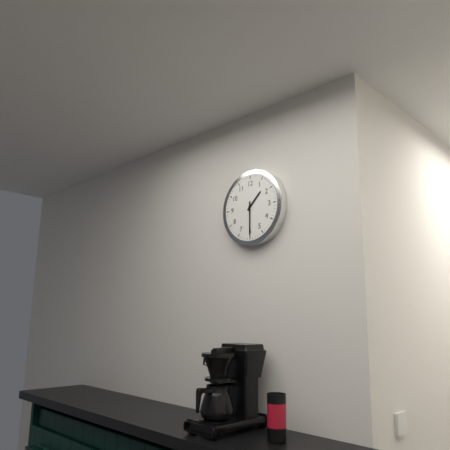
**1:30**
